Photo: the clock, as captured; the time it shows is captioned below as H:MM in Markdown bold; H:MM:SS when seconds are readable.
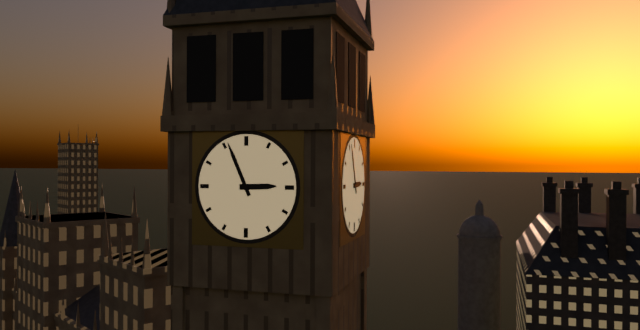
**2:56**
